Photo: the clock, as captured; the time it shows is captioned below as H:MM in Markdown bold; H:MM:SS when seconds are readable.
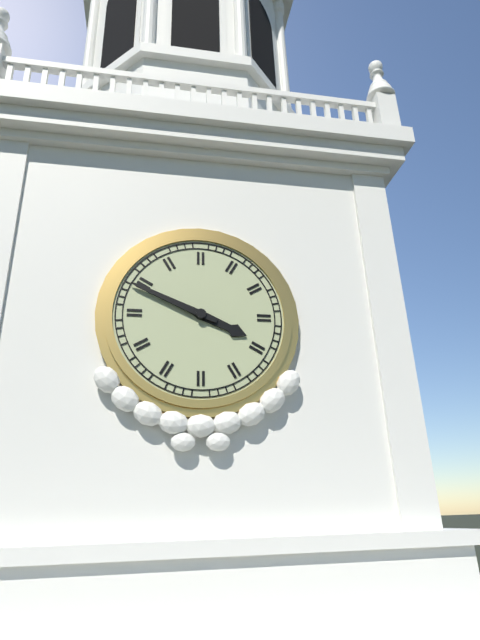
**3:49**
